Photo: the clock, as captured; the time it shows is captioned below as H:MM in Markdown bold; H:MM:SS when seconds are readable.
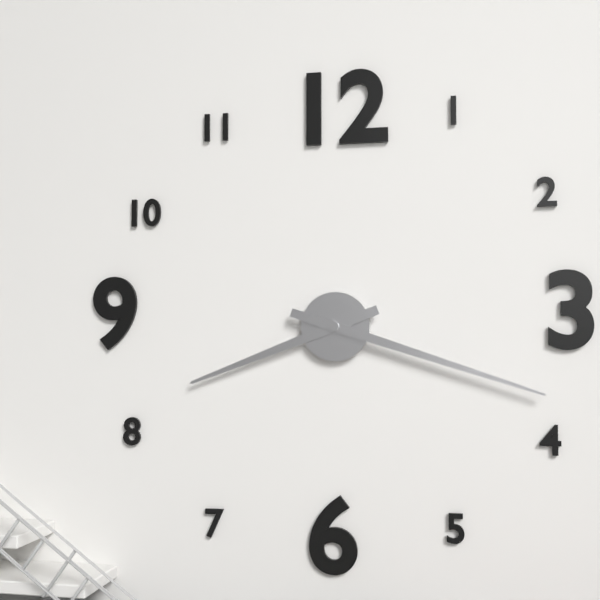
**8:18**
